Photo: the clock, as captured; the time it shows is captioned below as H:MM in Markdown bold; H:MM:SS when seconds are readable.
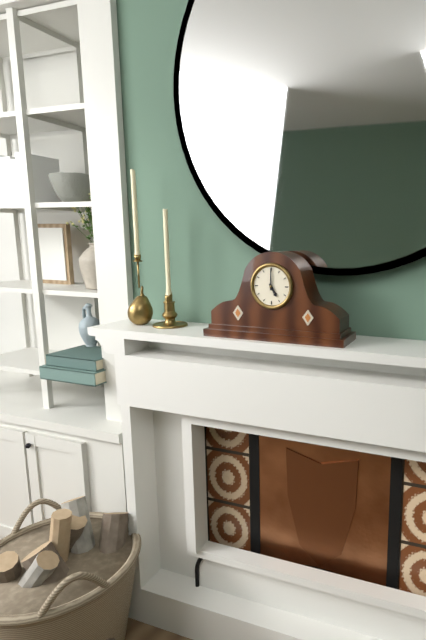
**5:00**
